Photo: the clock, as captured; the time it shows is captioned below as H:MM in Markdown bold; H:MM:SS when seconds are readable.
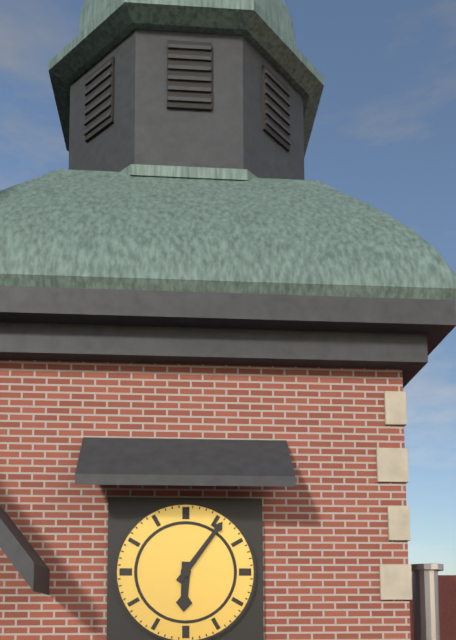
**6:06**
